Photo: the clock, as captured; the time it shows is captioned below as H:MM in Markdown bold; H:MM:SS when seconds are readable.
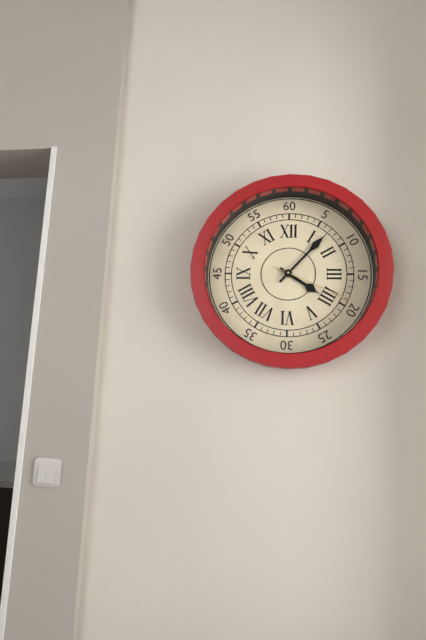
**4:07:19**
